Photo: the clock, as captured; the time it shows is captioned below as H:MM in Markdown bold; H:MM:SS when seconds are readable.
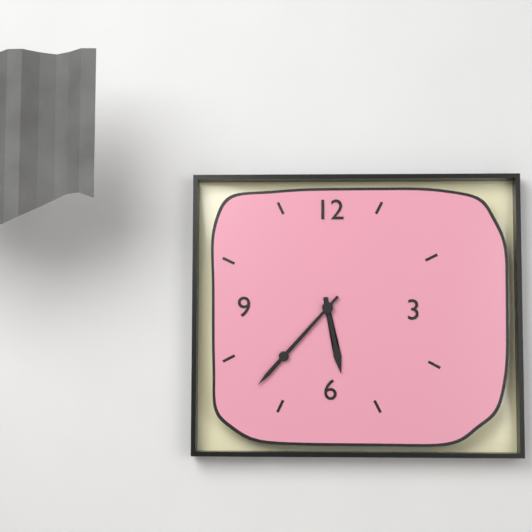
**5:37**
